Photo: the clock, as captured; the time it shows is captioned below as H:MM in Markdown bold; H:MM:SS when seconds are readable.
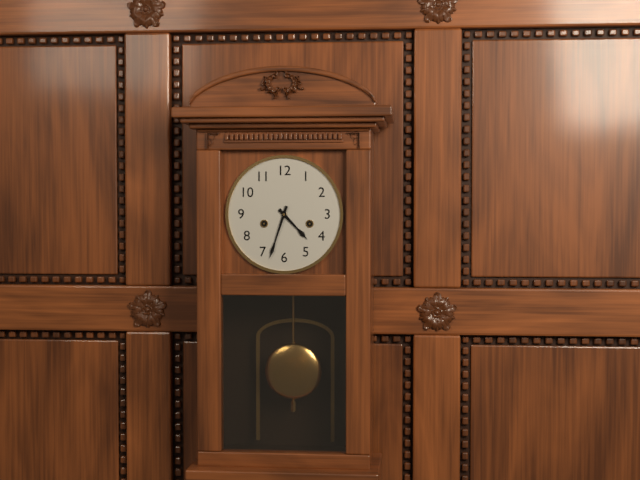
**4:33**
